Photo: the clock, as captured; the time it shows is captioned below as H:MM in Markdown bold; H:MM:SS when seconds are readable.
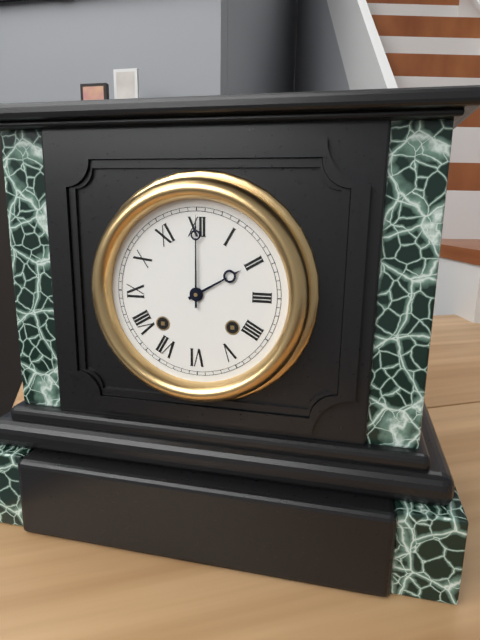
**2:00**
